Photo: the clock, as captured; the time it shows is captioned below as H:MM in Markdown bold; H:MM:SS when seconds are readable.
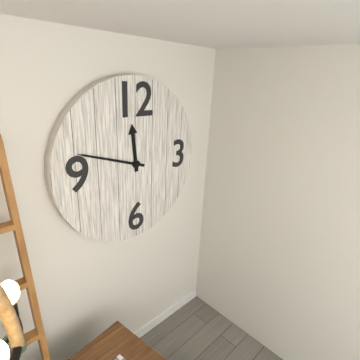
**11:48**
